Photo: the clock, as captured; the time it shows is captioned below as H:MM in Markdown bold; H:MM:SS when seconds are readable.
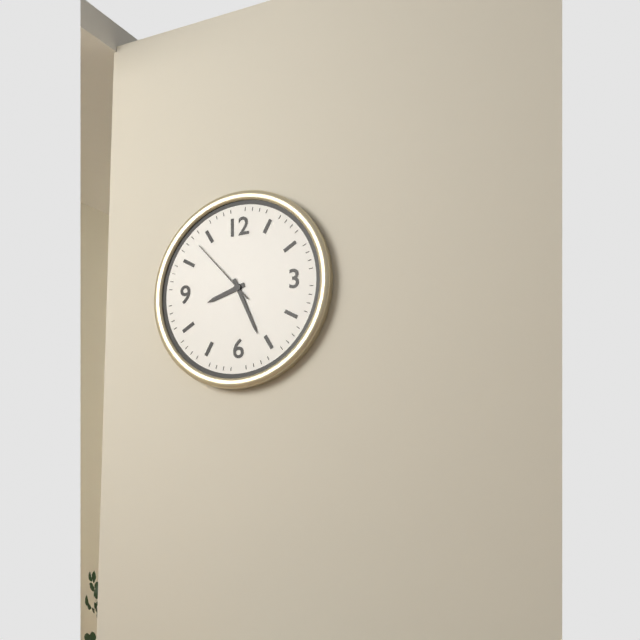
**8:26:53**
